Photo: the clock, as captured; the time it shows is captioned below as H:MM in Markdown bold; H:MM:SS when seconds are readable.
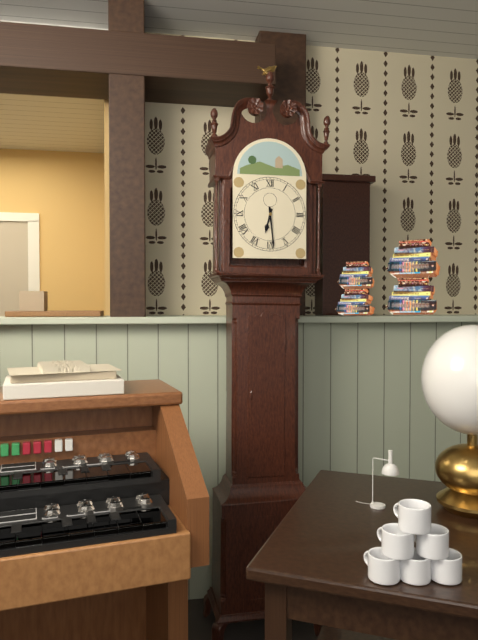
**6:29**
